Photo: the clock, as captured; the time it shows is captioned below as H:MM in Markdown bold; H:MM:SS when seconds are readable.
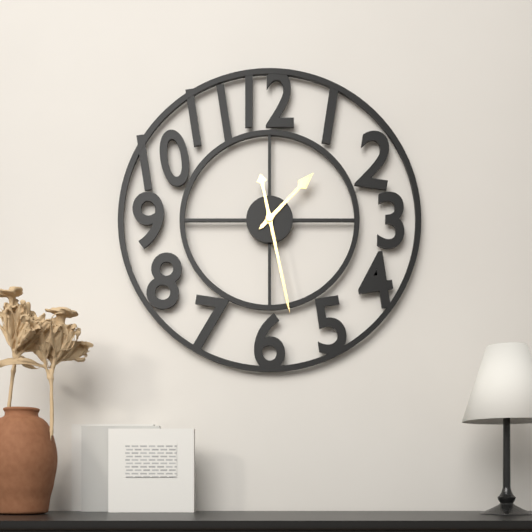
**1:28**
